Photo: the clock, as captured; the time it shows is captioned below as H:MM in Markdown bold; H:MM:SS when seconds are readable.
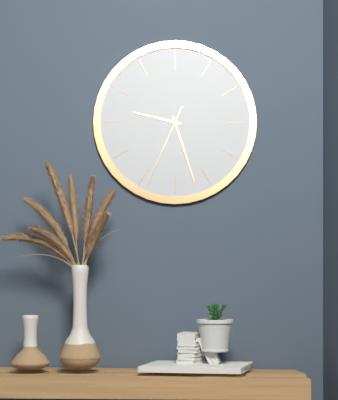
**9:27:34**
